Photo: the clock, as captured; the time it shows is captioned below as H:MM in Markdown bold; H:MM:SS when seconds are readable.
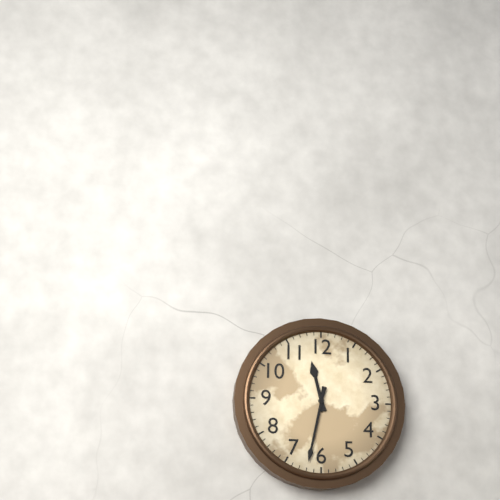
**11:32**
